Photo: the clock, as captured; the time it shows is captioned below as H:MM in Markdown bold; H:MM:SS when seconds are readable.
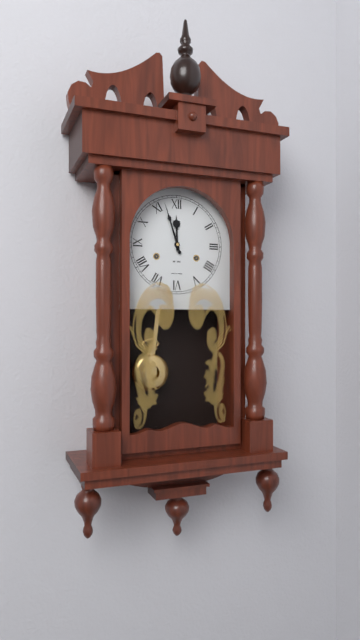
**11:57**
